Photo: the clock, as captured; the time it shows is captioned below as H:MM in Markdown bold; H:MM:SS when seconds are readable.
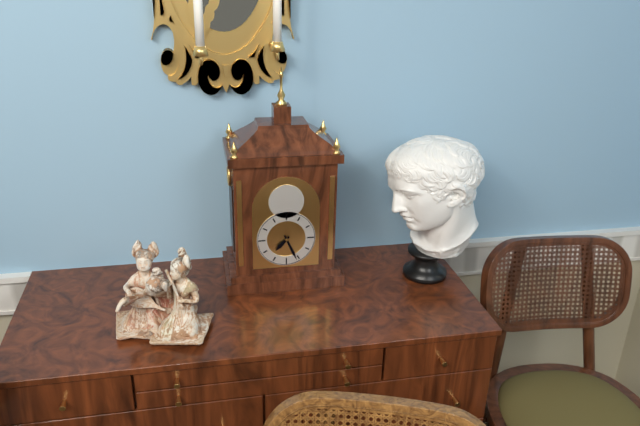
**7:26**
